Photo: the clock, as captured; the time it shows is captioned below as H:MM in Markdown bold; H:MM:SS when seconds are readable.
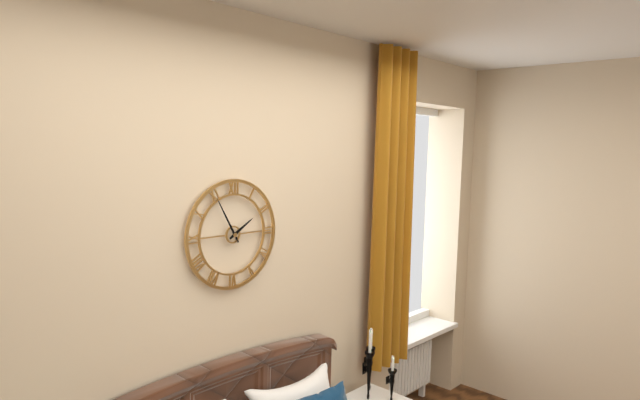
**1:55**
